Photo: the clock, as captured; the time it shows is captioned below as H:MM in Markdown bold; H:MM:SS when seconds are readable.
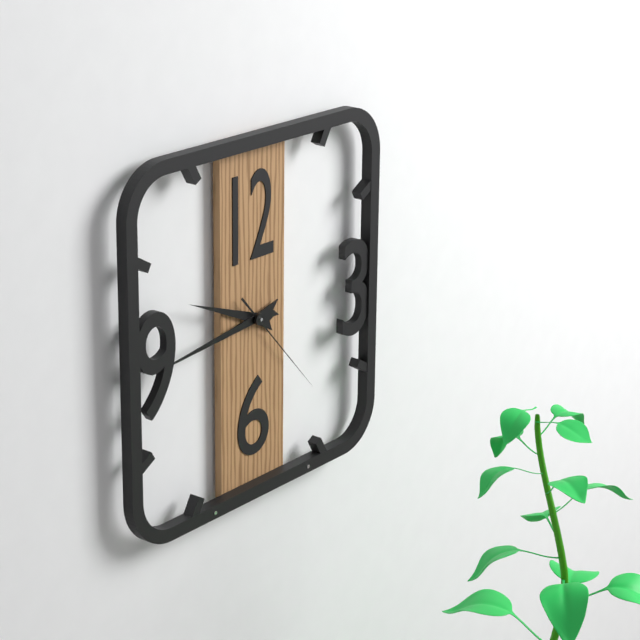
**9:44:23**
